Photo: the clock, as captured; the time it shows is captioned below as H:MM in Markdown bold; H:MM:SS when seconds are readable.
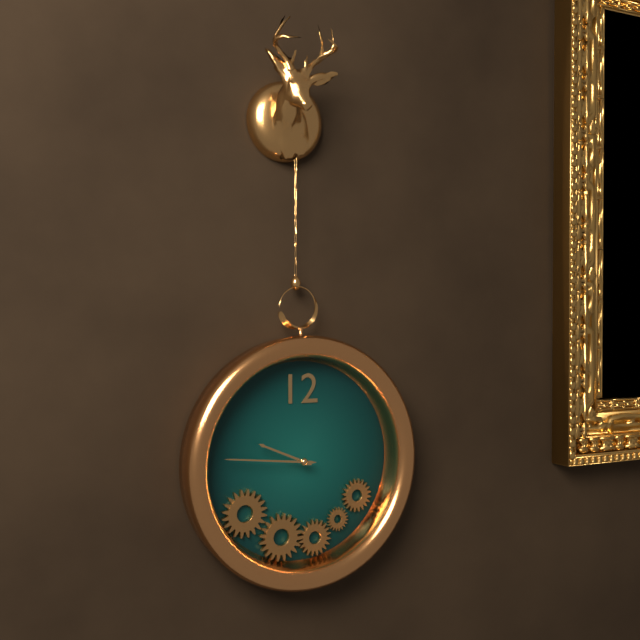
**9:46**
